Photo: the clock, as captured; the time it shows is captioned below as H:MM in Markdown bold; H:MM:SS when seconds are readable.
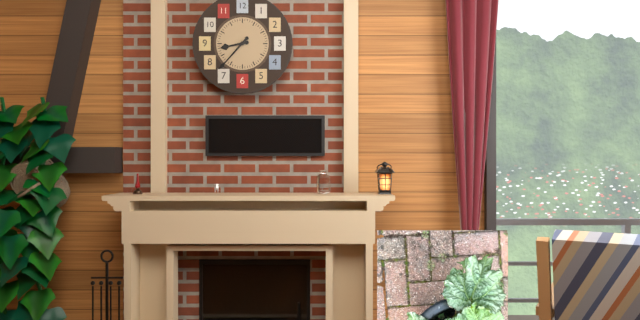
**8:37**
